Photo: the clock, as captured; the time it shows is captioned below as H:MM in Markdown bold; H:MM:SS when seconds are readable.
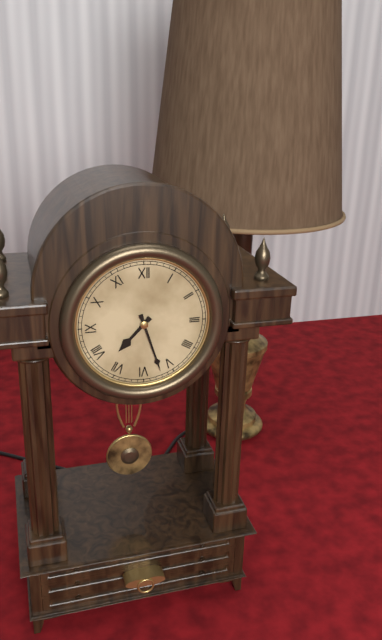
**7:27**
